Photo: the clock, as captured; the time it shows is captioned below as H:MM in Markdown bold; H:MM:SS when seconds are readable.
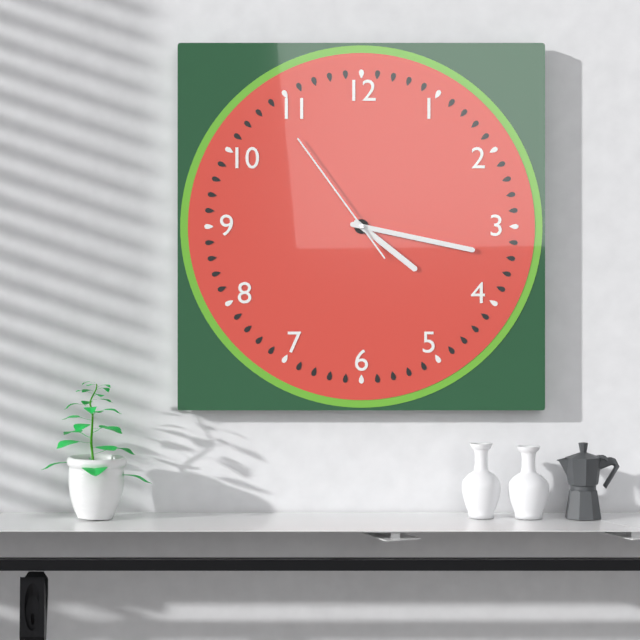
**4:17:54**
